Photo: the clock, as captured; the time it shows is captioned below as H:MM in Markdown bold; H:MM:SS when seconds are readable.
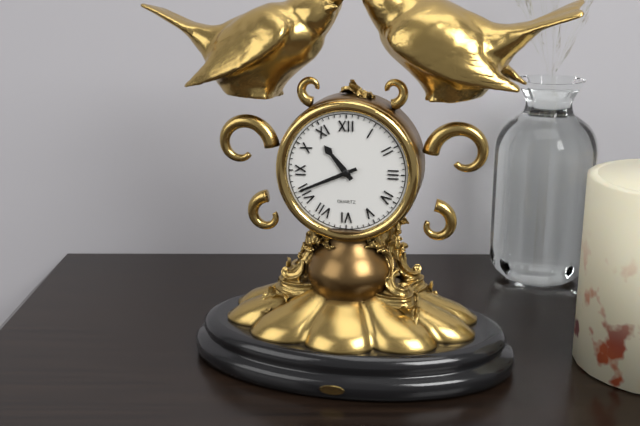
**10:41**
